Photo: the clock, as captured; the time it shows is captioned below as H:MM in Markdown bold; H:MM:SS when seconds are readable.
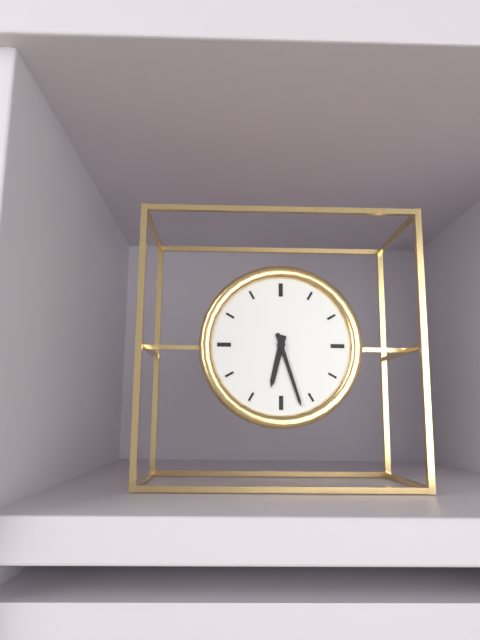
**6:27**
